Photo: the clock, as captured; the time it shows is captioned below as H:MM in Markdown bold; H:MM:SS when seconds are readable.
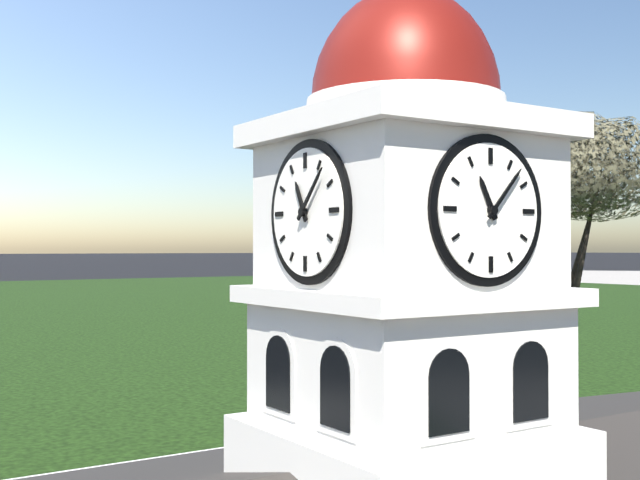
**11:07**
